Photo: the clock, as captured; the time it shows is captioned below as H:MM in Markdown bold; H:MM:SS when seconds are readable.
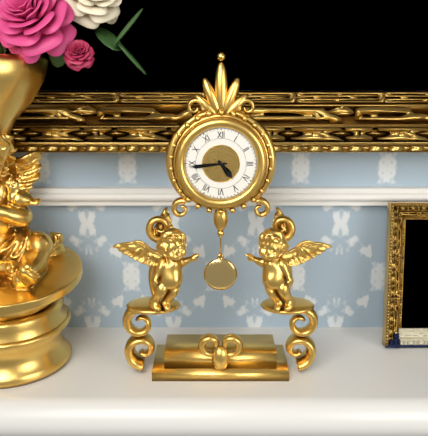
**4:44**
